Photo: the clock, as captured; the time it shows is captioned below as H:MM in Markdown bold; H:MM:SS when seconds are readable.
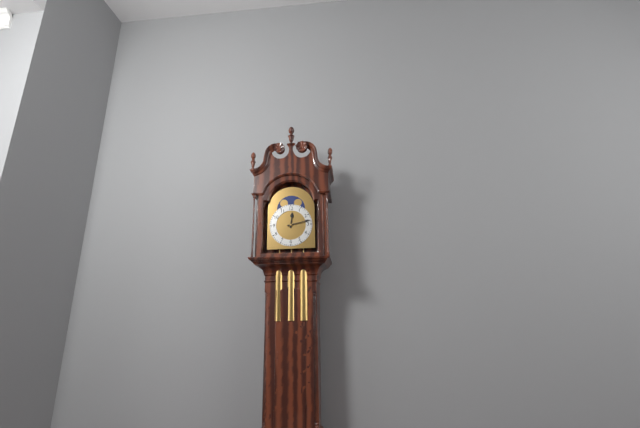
**12:13**
